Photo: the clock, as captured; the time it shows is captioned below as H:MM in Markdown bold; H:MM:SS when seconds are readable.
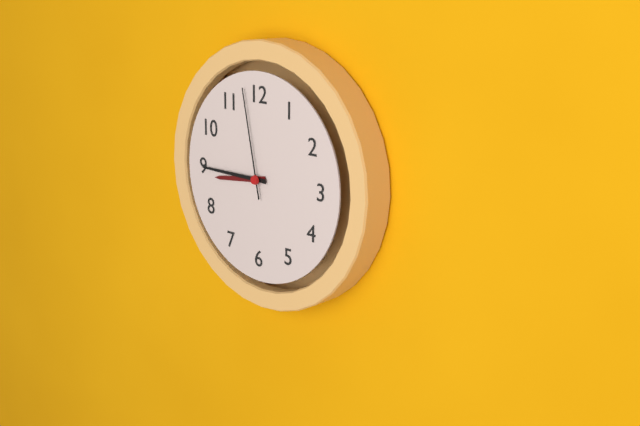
**8:45:58**
